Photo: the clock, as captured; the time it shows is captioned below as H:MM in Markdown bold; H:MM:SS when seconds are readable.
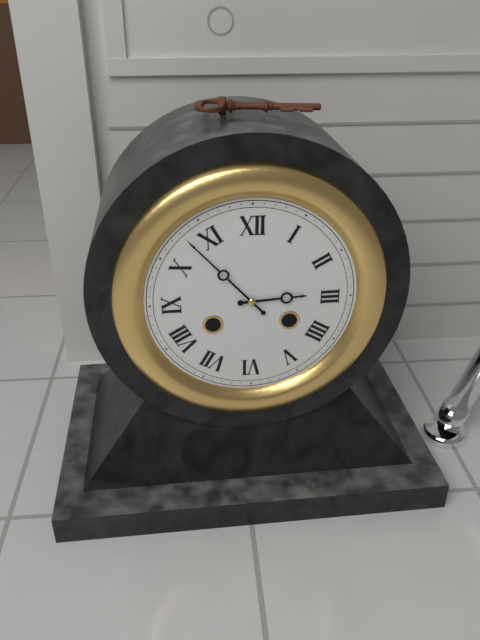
**2:53**
